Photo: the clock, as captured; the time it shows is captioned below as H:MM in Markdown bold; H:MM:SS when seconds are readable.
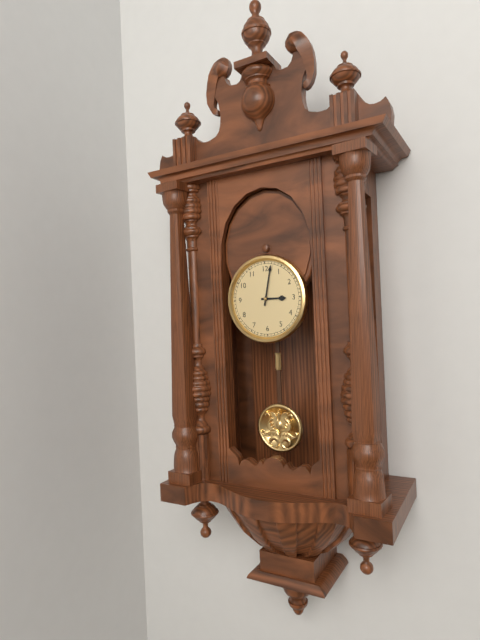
**3:02**
